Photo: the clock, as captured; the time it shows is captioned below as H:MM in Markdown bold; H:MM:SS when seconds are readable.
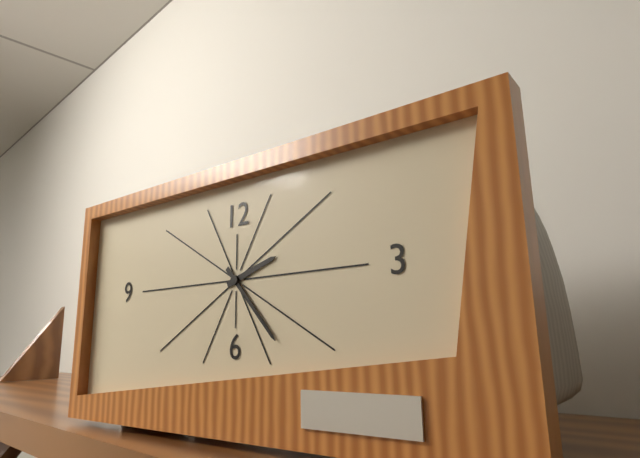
**2:23**
